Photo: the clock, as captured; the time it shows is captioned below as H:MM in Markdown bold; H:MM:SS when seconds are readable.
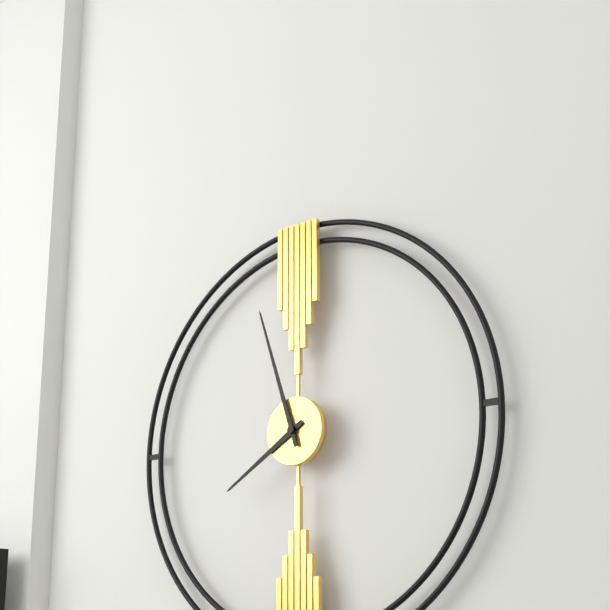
**7:57**
